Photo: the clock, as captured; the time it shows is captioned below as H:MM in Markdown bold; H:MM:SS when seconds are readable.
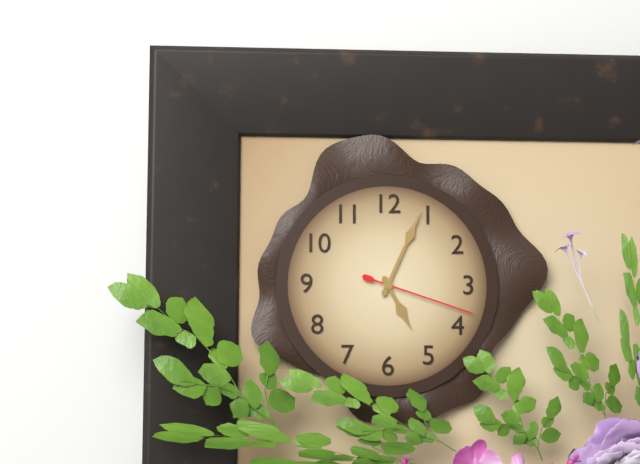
**5:04:18**
